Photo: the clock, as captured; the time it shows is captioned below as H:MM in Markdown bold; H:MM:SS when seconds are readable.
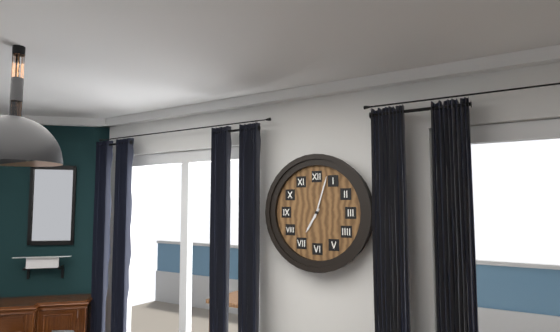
**7:03**
